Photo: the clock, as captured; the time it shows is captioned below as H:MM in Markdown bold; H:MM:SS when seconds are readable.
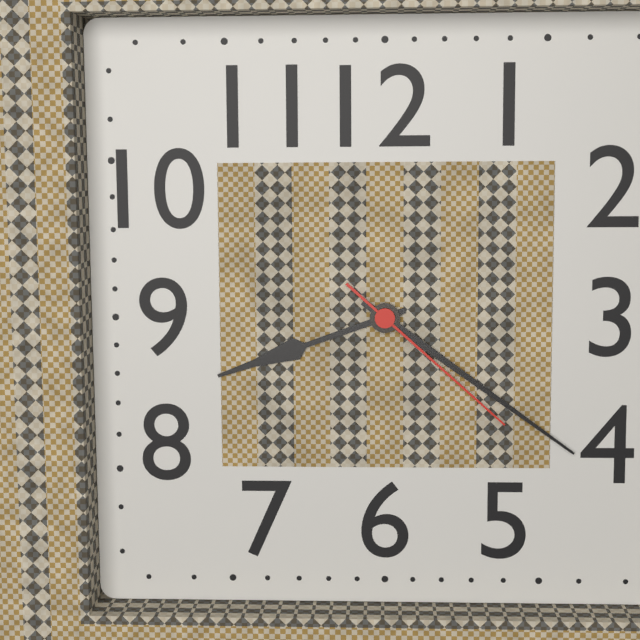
**8:21:22**
